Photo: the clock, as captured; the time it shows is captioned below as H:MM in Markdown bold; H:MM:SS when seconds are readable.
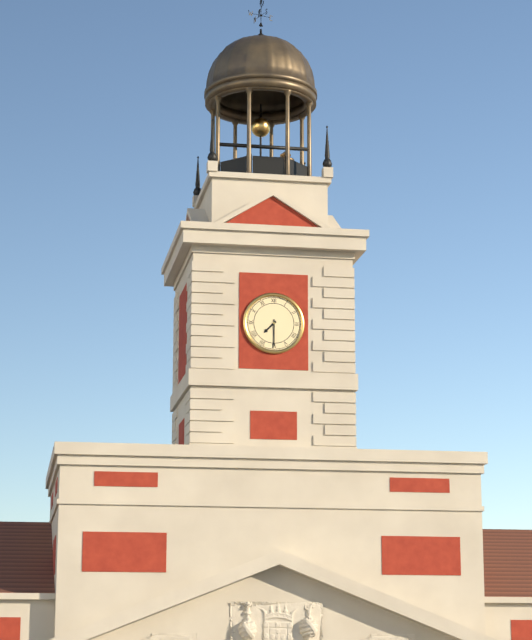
**7:30**
